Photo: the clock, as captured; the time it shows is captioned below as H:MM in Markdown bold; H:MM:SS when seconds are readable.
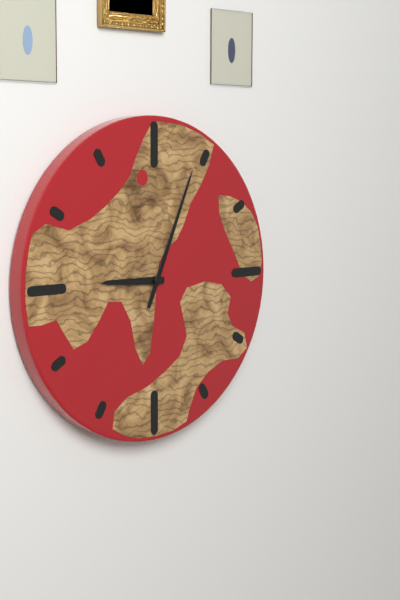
**9:04**
